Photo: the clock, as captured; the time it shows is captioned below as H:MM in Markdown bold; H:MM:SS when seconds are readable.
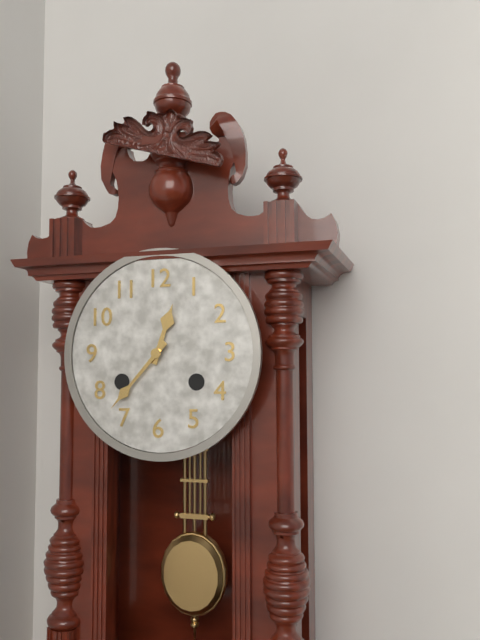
**12:37**
